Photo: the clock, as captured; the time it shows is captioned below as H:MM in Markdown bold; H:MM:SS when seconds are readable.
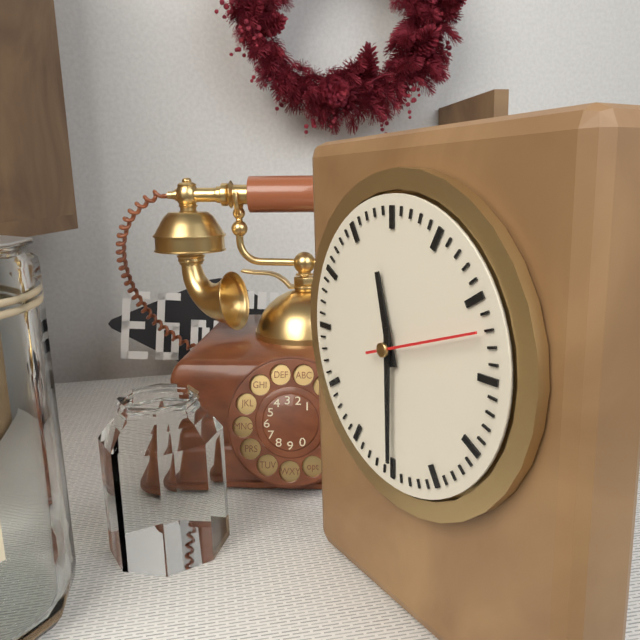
**11:30:12**
